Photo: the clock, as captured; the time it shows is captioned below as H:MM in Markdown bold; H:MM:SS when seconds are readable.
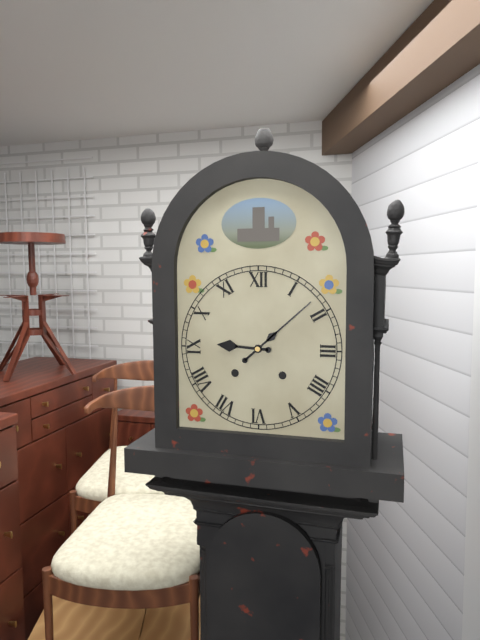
**9:08**
